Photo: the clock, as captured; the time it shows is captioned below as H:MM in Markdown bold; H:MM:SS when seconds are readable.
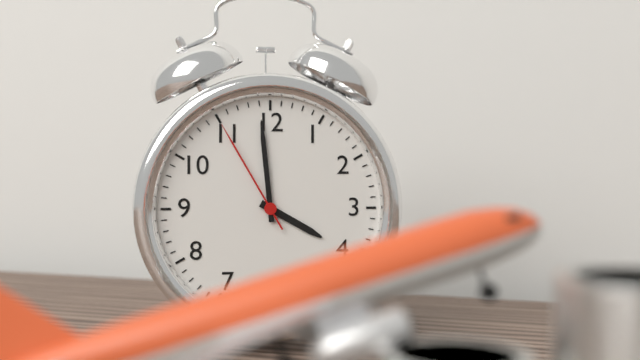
**3:59:55**
